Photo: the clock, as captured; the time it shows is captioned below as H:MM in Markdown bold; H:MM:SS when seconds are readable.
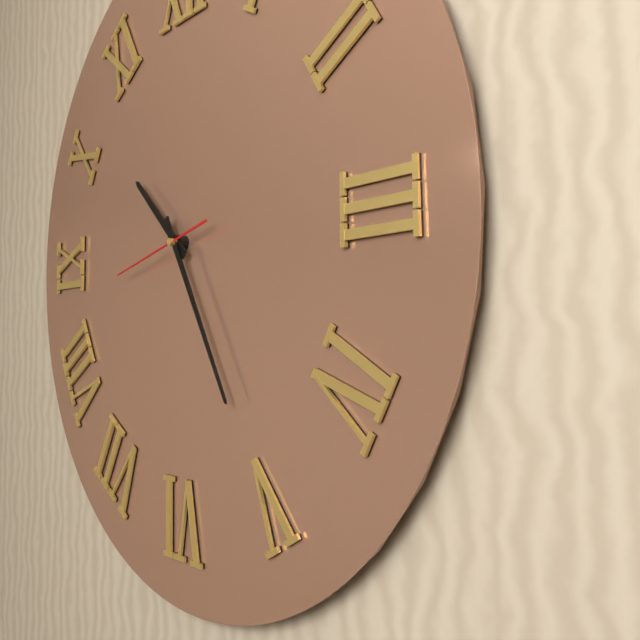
**10:25:43**
